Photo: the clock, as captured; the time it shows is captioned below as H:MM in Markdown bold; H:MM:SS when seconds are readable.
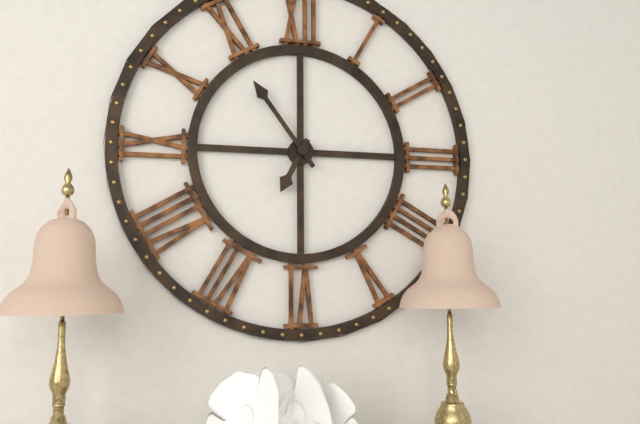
**6:54**
